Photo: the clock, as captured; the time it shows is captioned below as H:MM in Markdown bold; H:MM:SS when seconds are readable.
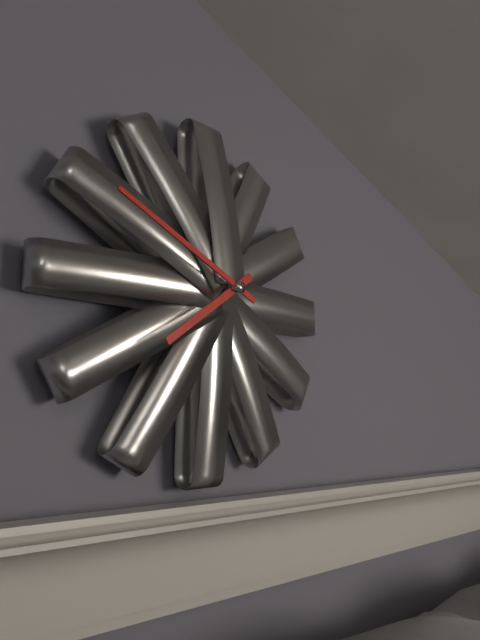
**7:49**
